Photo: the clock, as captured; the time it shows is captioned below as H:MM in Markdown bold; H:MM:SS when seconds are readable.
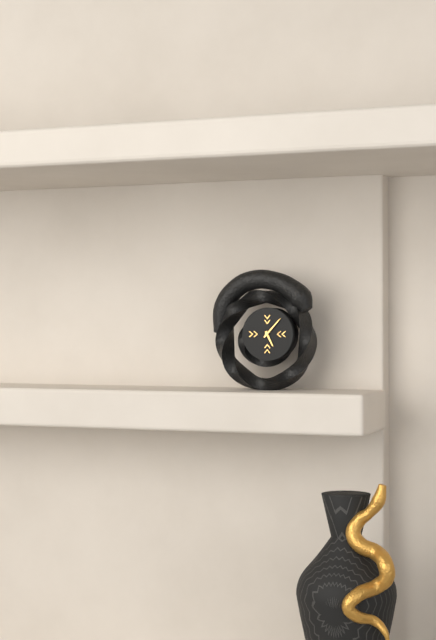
**5:07**
